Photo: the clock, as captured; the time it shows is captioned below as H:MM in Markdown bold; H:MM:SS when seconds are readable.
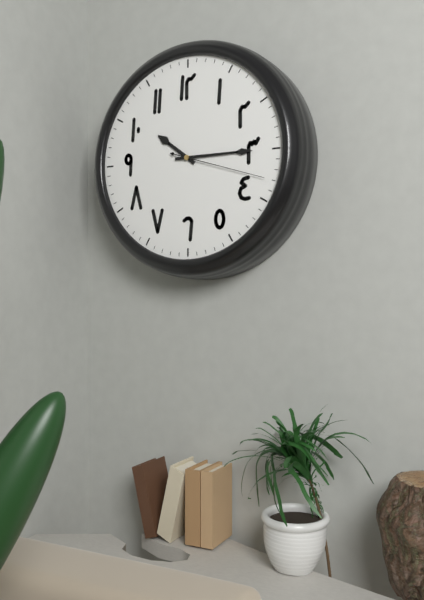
**10:15:18**
